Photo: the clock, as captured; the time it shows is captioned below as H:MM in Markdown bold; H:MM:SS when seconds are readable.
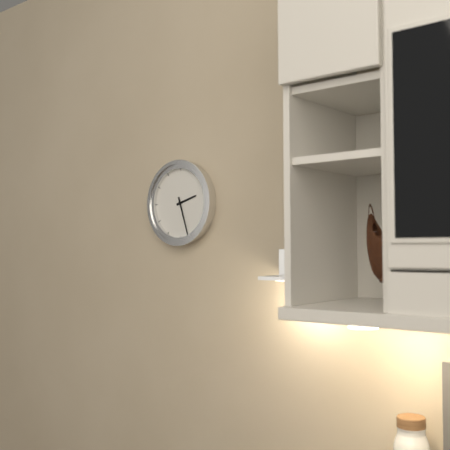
**2:27**
